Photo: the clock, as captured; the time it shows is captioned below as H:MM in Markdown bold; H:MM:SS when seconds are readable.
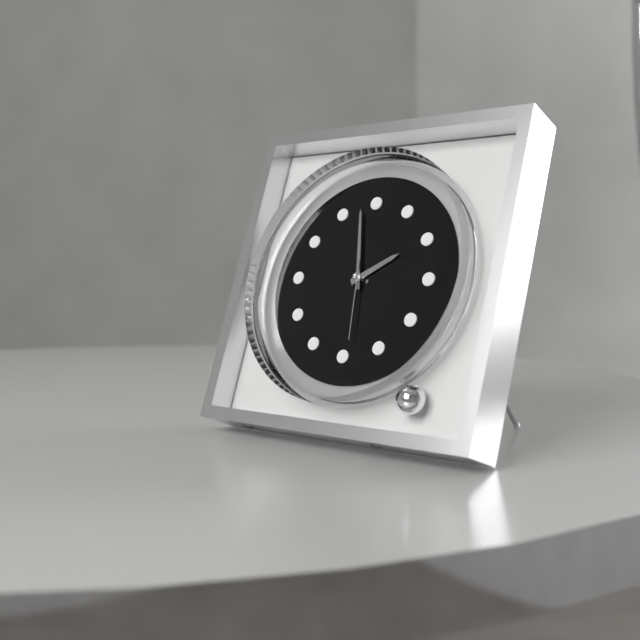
**1:58:29**
